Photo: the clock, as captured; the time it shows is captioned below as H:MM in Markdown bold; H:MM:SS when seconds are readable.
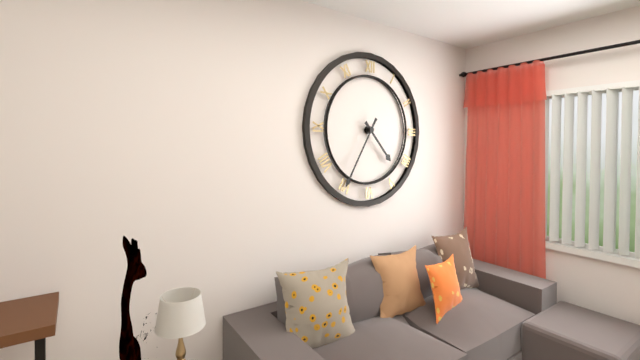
**4:35**
